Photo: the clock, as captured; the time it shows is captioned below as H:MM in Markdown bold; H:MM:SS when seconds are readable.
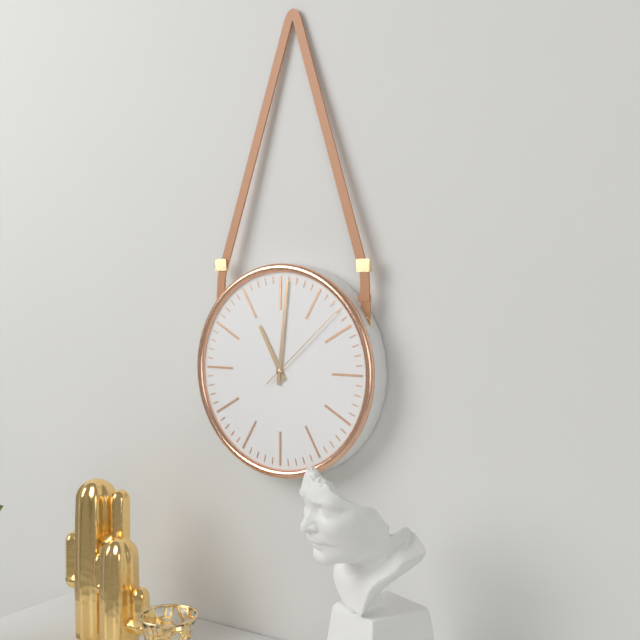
**11:01:08**
